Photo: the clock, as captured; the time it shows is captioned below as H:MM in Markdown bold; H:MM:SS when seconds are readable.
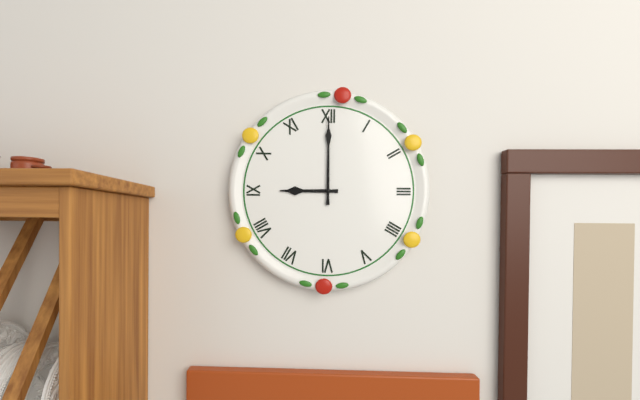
**9:00**
